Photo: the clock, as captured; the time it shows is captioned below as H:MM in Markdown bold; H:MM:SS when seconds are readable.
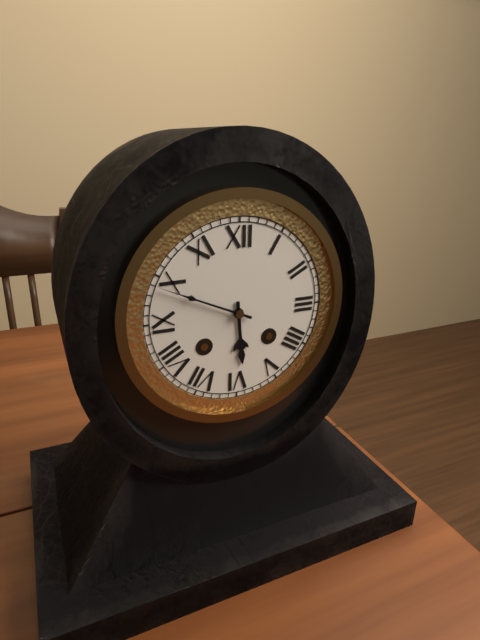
**5:49**
